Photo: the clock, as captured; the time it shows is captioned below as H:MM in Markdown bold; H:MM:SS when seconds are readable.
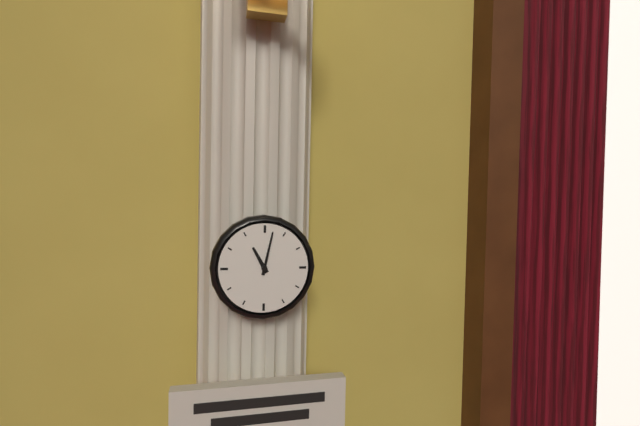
**11:02**
